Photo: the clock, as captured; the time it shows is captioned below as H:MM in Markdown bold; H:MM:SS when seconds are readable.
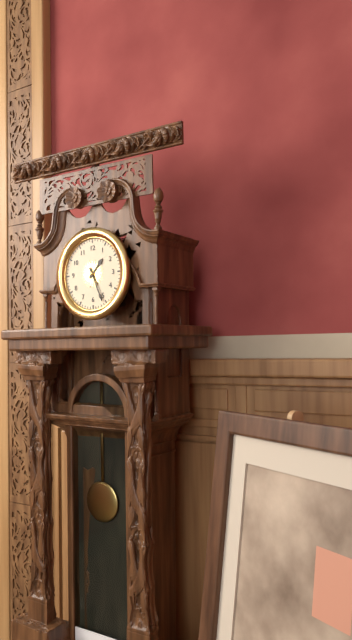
**1:26**
